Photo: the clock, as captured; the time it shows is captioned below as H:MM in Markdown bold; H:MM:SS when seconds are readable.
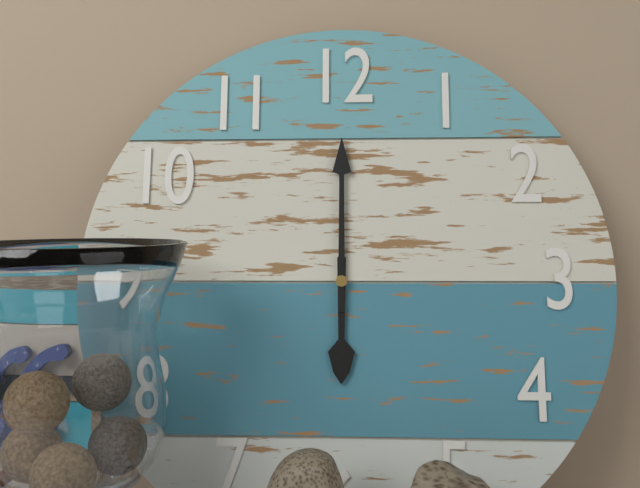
**6:00**
